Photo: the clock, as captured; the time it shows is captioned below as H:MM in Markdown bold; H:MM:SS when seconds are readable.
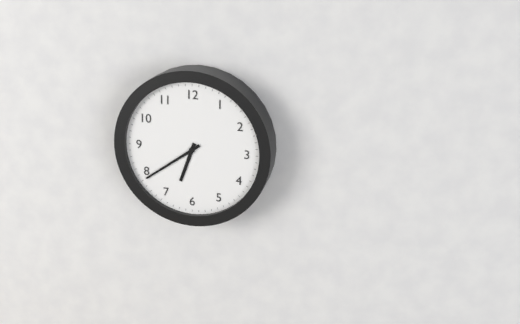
**6:39**
